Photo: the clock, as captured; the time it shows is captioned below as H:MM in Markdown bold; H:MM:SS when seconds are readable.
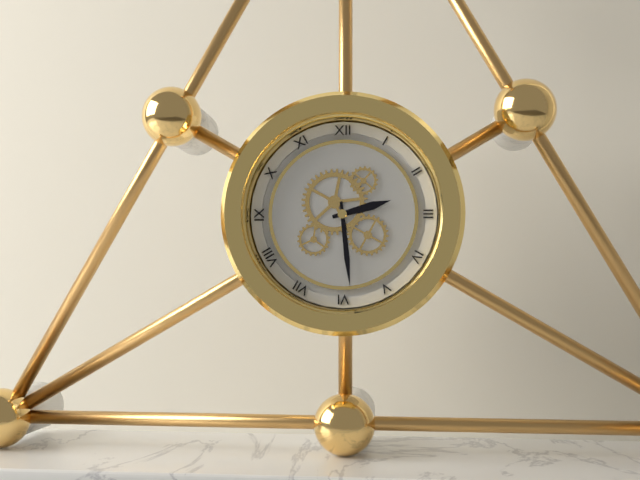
**2:29**
